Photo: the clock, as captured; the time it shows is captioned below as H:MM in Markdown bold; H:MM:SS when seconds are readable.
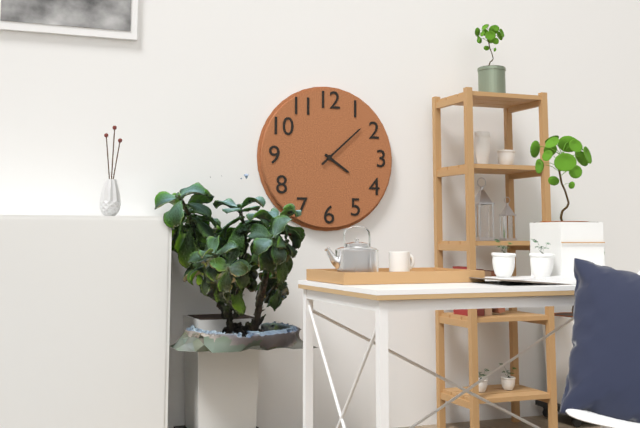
**4:08**
